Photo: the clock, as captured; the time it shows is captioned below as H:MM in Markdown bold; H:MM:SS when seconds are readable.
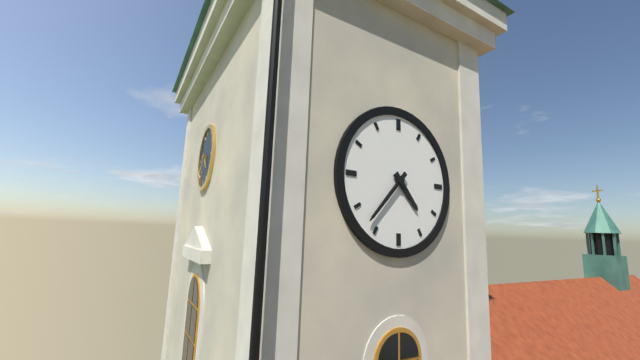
**4:37**
